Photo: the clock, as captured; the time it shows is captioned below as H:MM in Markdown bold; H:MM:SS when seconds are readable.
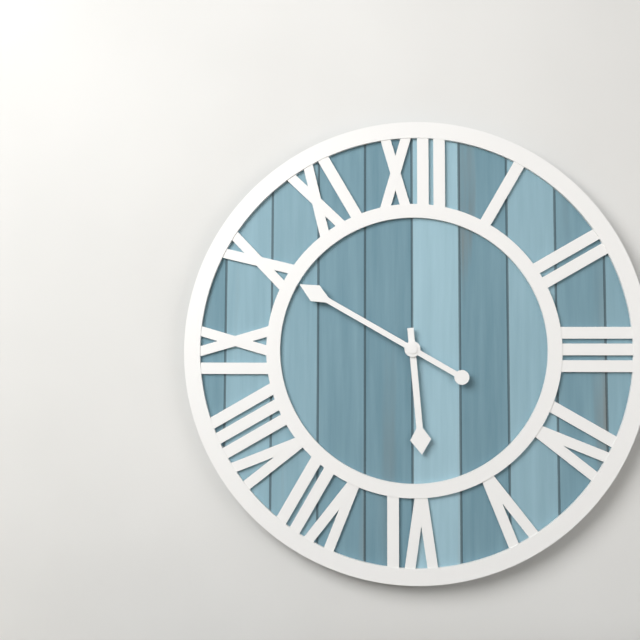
**5:50**
